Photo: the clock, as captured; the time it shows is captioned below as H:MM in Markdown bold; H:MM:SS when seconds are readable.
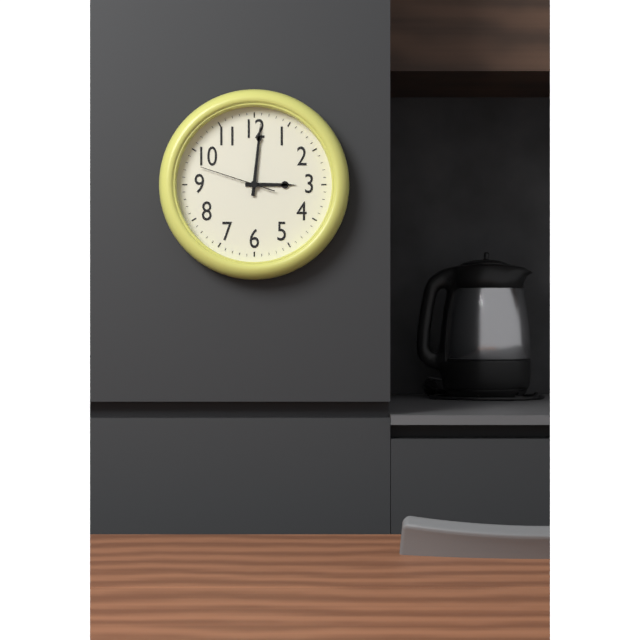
**3:01:48**
